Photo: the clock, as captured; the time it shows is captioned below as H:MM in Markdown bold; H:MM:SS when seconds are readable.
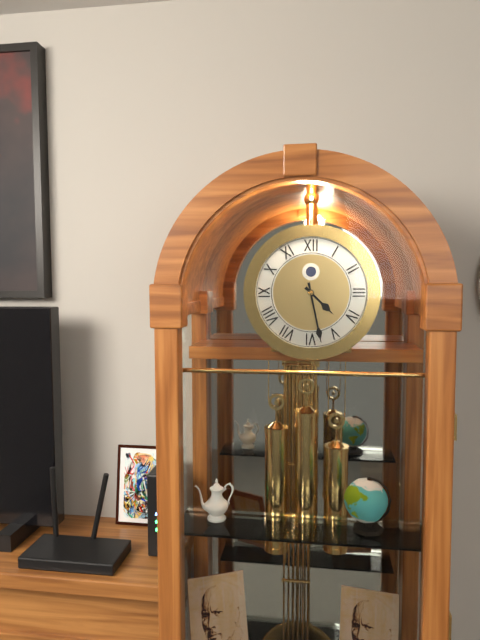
**4:28**
